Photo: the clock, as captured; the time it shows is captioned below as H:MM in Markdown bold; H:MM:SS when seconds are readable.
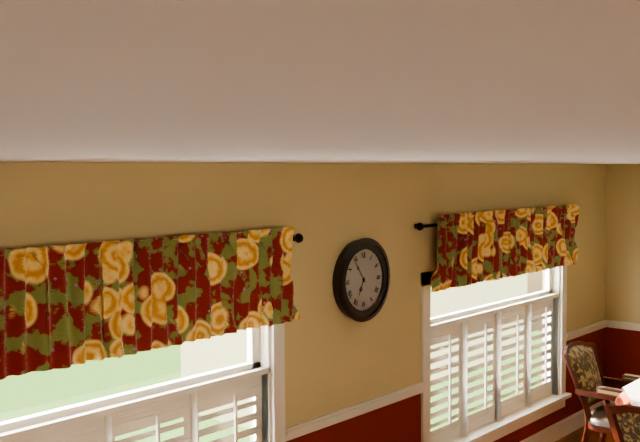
**6:54**
